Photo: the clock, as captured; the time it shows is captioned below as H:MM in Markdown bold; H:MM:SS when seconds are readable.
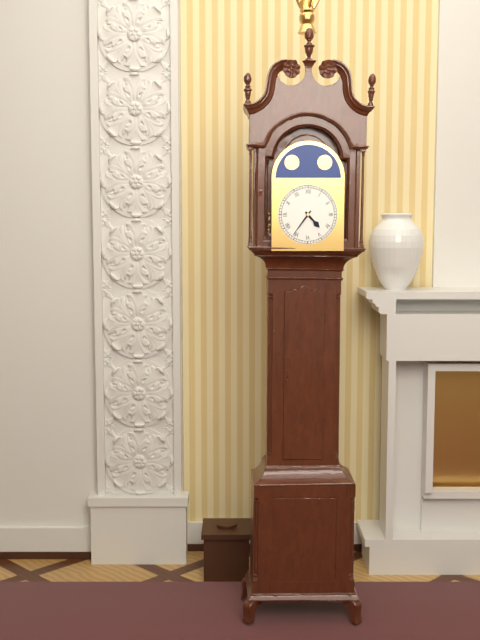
**4:36**
